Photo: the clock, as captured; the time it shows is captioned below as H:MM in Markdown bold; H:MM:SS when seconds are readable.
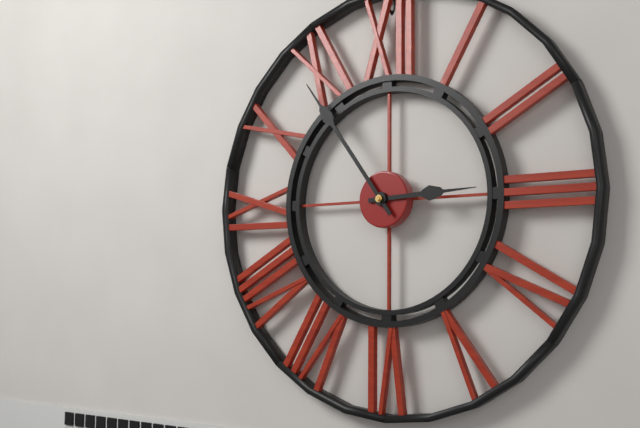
**2:54**
